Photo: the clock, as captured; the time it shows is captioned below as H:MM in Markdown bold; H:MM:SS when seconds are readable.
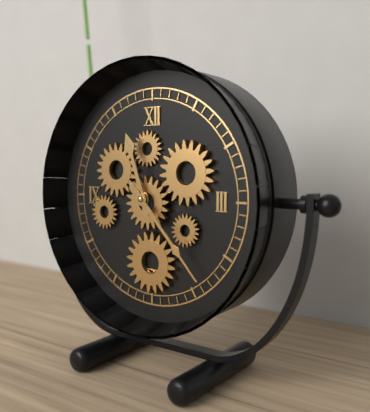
**11:23**
